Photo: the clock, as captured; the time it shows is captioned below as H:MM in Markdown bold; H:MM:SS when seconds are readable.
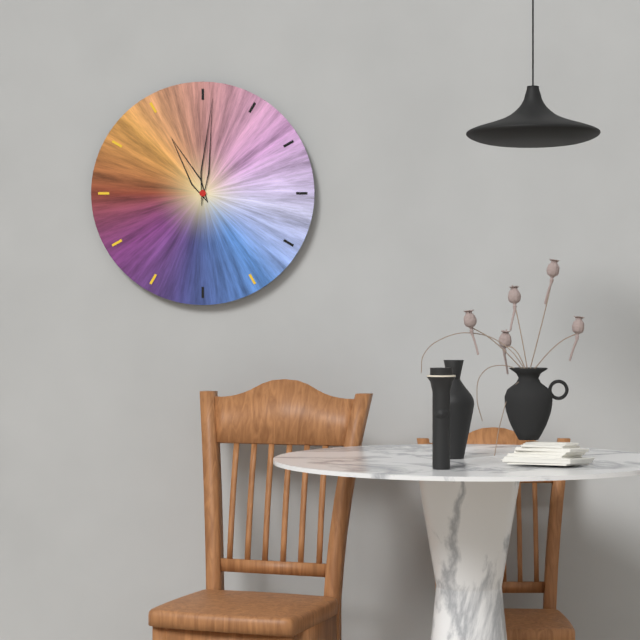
**11:01**
